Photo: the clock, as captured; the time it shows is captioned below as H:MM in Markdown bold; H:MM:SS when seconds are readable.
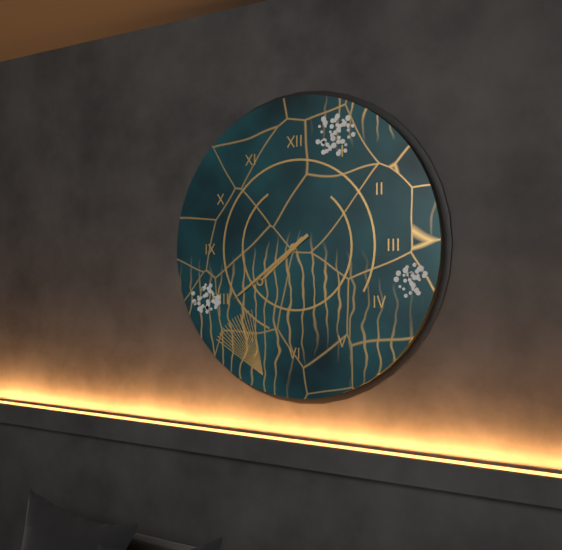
**7:39**
